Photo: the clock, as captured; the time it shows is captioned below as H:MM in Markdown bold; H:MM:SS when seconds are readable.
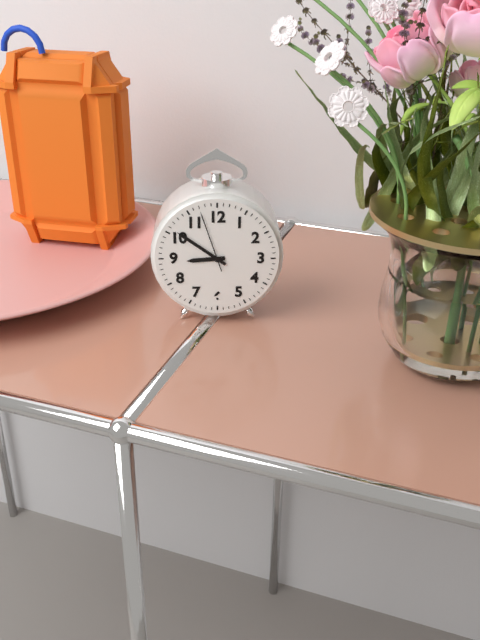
**8:51:57**
